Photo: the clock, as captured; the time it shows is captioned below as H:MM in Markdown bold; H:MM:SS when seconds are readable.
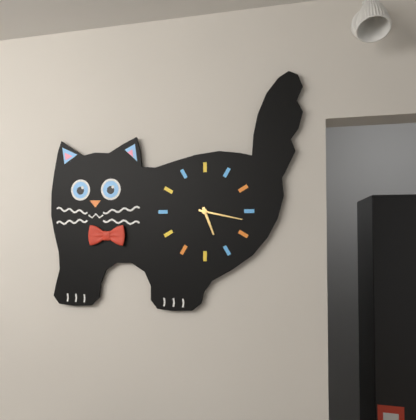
**5:17**
